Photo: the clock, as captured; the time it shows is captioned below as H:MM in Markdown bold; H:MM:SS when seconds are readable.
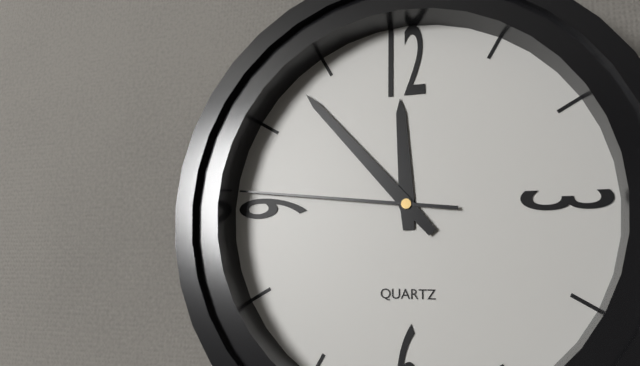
**11:53:46**
